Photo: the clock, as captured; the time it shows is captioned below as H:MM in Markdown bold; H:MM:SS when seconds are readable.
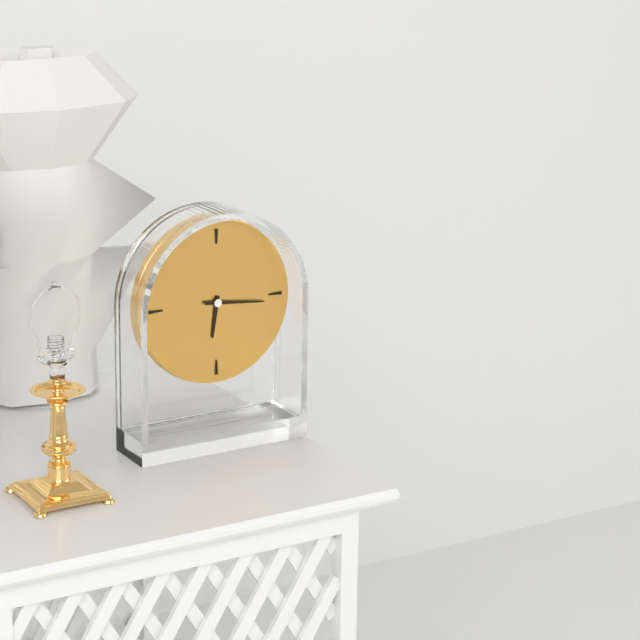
**6:16**
